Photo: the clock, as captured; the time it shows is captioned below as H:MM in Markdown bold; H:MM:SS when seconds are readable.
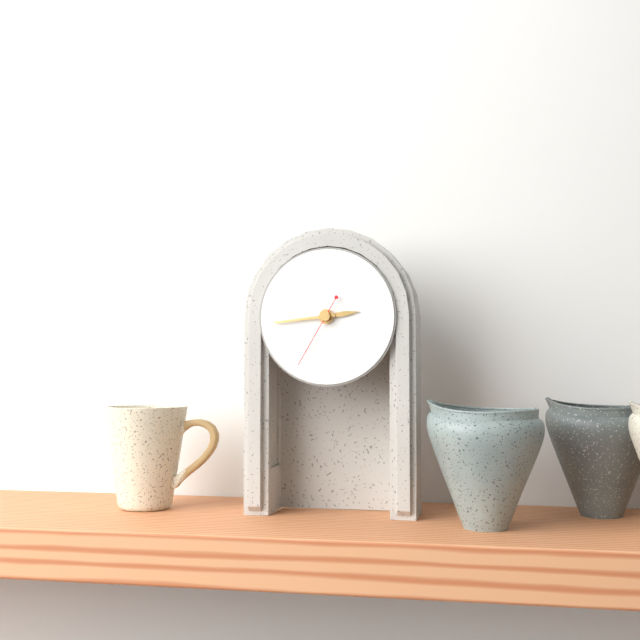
**2:44:35**
